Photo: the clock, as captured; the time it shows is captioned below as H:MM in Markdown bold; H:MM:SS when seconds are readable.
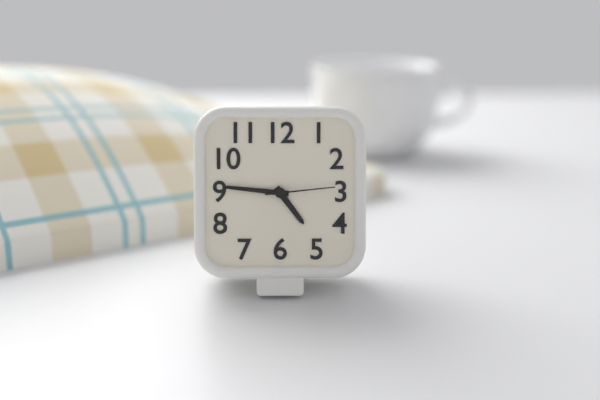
**4:46:14**
